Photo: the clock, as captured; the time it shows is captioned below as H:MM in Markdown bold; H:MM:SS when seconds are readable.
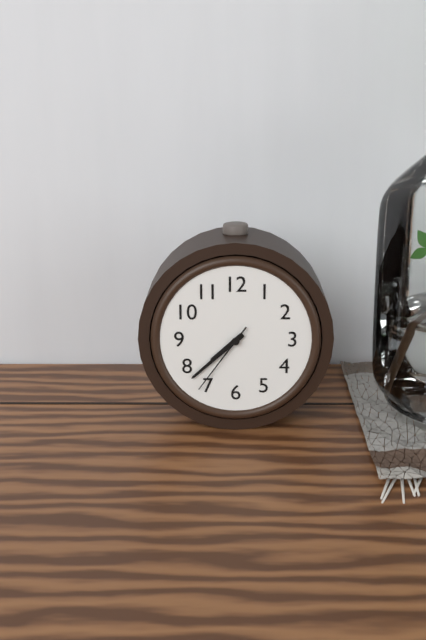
**7:38:36**
